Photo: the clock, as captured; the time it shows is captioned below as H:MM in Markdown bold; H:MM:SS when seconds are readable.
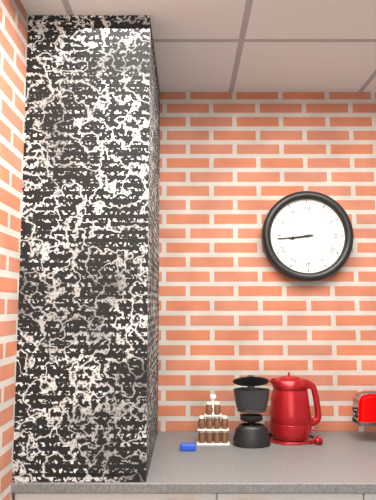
**8:44**
